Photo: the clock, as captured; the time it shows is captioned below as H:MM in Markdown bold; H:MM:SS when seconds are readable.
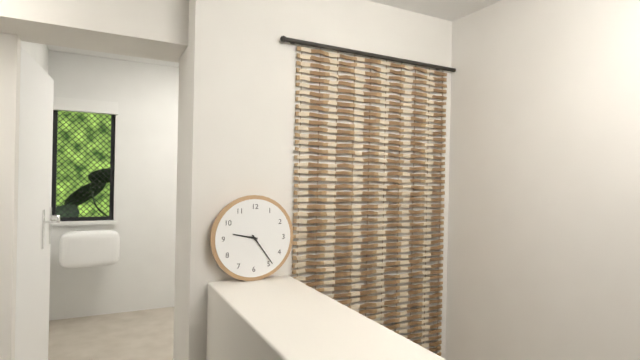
**9:24**
